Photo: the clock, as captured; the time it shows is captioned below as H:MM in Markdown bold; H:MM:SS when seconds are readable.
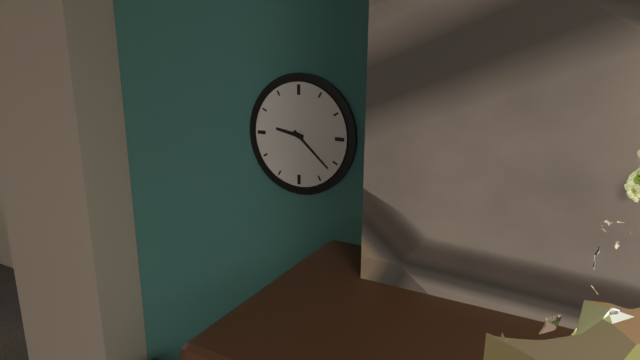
**9:22**
